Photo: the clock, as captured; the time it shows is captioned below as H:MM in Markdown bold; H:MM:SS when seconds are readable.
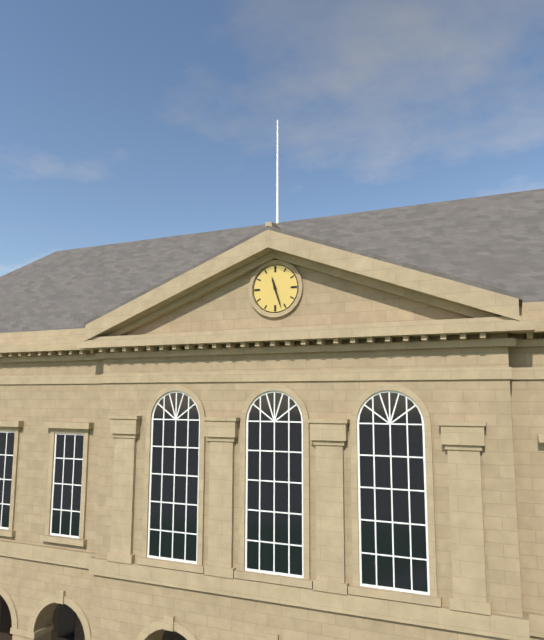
**11:27**
